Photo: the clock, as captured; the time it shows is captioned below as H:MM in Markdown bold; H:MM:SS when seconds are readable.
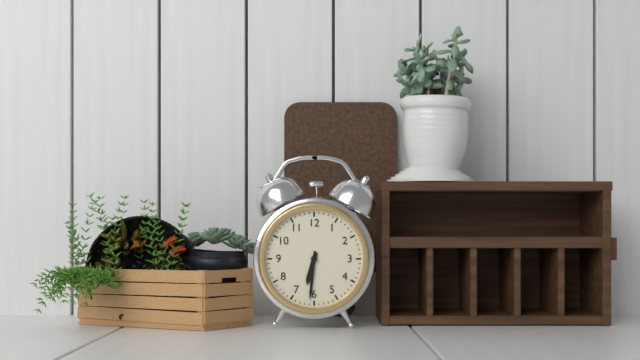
**6:31**
